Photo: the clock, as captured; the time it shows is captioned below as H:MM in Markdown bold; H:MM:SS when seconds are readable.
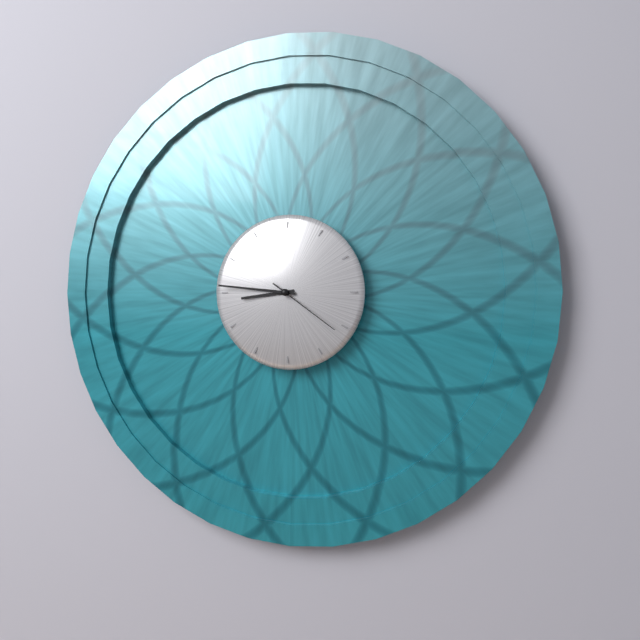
**8:46:21**
